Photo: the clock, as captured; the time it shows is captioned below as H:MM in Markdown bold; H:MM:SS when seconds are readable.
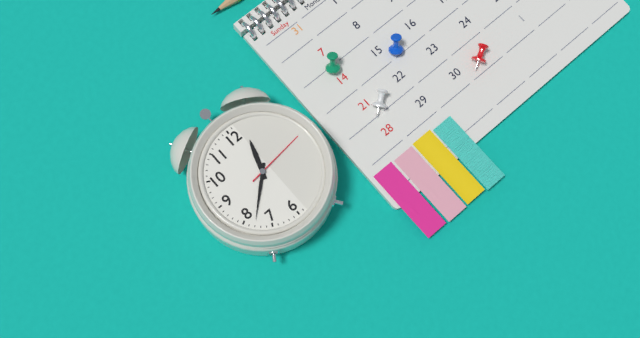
**12:38:14**
